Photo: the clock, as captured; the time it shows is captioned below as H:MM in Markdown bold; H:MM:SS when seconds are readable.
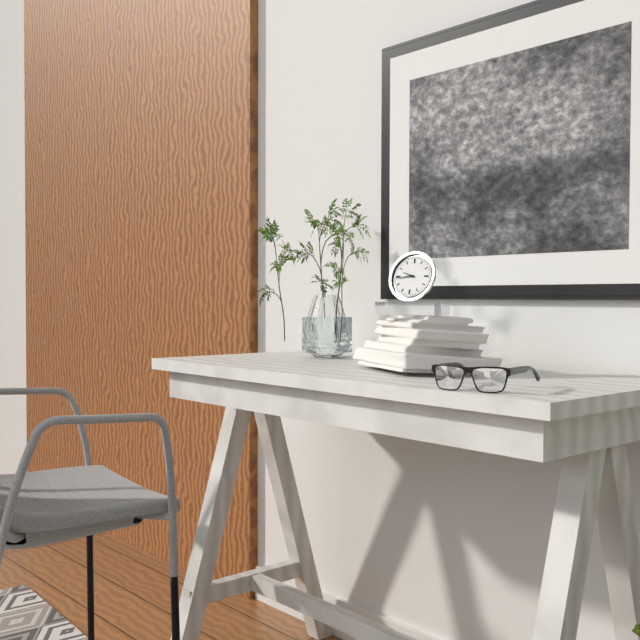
**9:44**
